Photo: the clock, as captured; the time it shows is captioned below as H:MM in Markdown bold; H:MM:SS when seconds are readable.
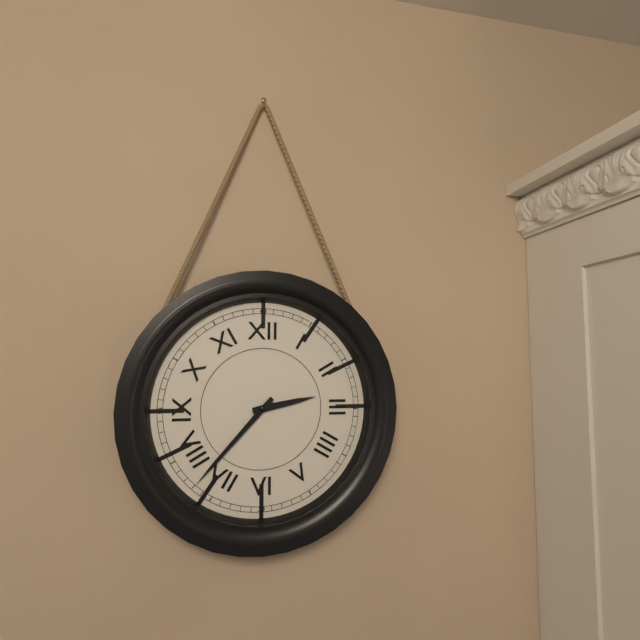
**2:37**
